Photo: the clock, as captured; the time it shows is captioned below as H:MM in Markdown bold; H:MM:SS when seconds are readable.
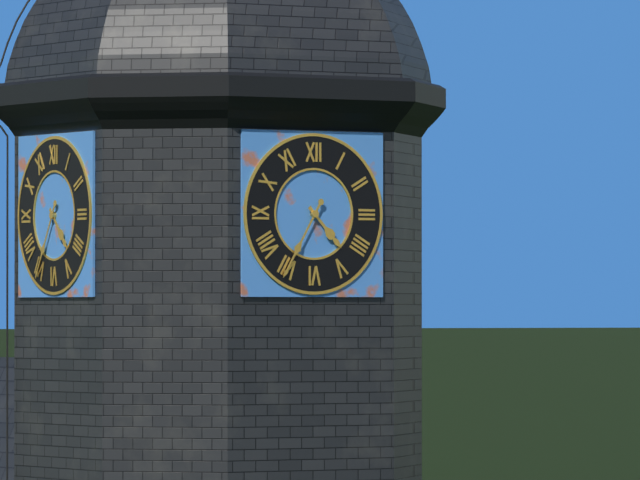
**4:35**
